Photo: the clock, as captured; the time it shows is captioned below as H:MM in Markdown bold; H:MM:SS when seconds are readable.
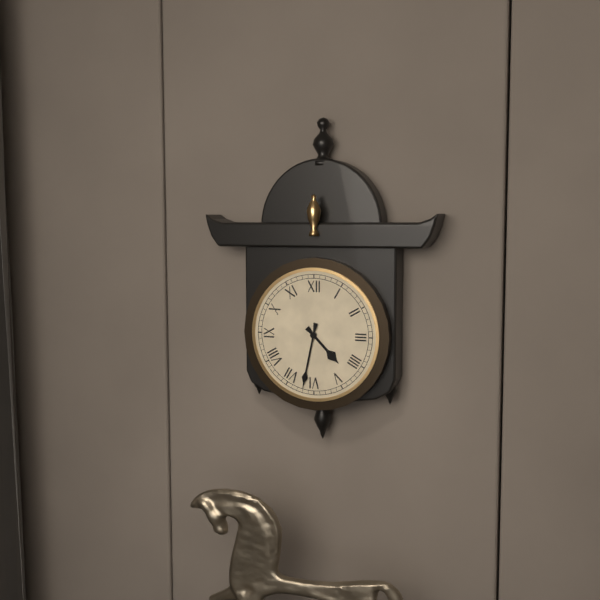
**4:32**
